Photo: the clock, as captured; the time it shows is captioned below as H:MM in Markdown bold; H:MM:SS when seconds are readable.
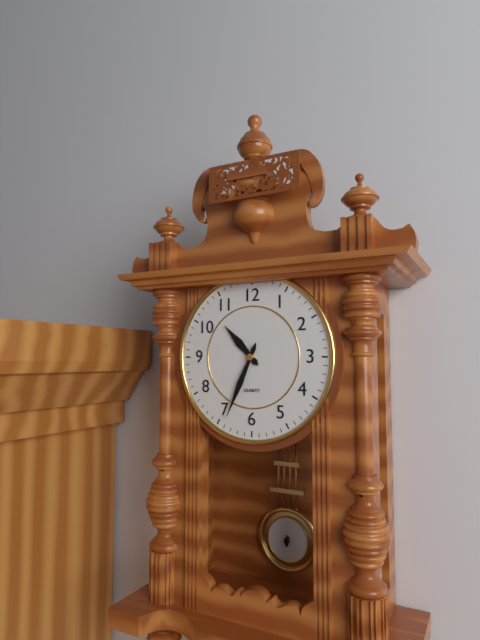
**10:34**
